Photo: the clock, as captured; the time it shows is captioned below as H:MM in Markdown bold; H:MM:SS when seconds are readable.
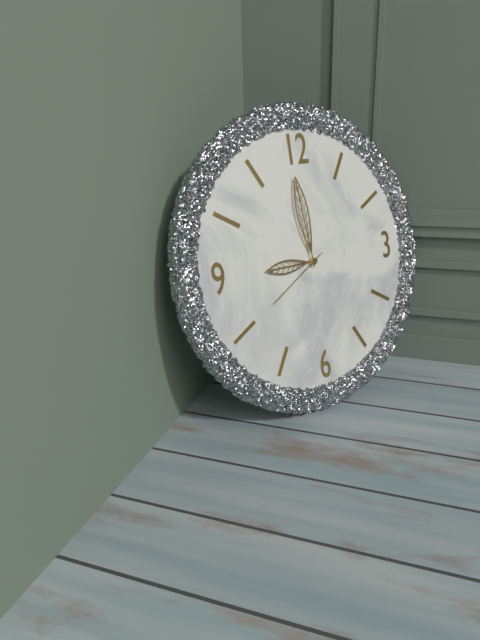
**8:59:40**
